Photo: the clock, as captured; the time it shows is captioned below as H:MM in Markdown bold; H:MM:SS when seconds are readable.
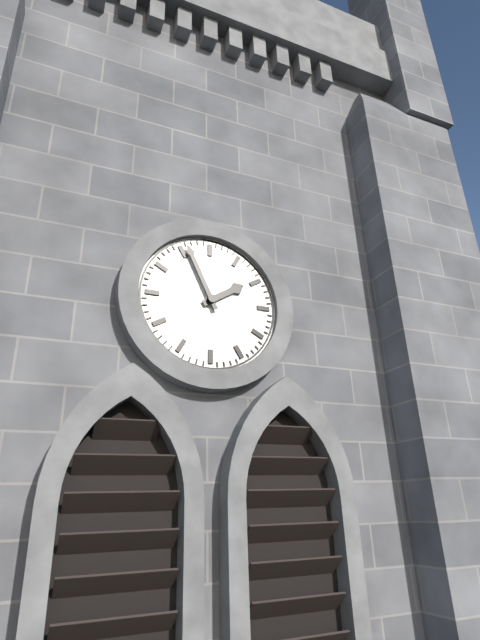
**1:56**
